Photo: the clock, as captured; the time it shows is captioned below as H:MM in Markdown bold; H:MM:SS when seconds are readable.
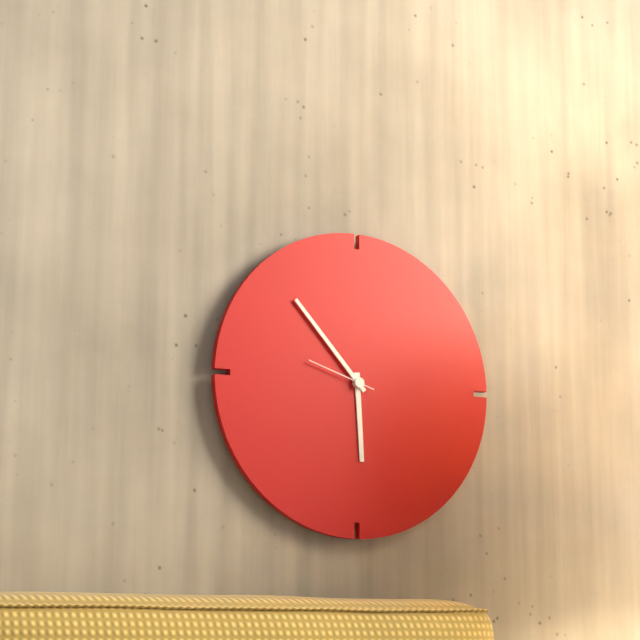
**5:53:48**
